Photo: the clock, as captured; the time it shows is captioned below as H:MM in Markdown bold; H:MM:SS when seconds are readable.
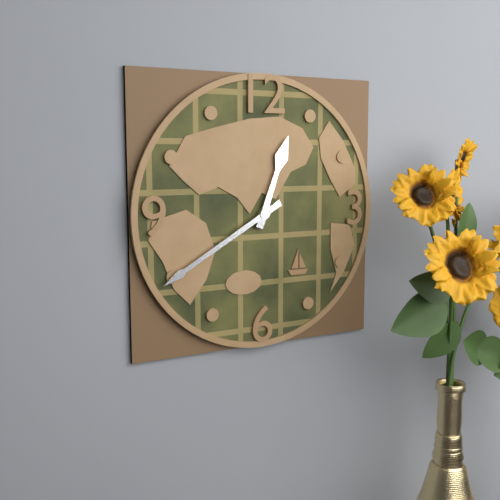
**12:40**
